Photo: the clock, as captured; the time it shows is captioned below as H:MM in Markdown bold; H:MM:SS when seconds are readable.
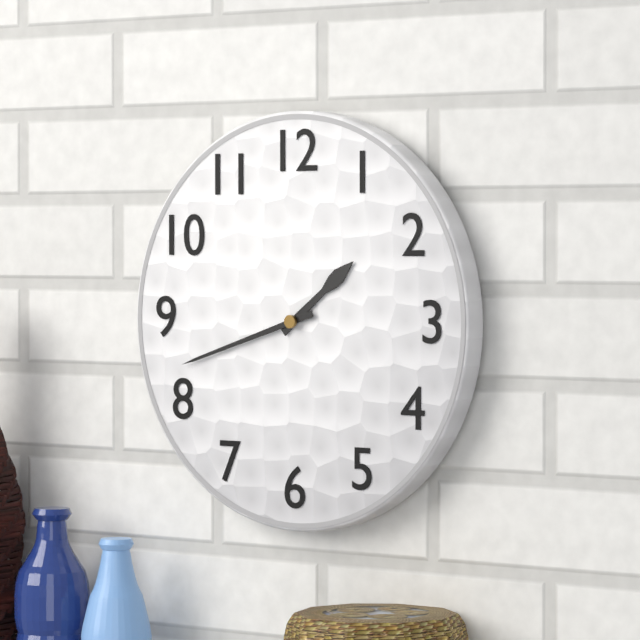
**1:42**
